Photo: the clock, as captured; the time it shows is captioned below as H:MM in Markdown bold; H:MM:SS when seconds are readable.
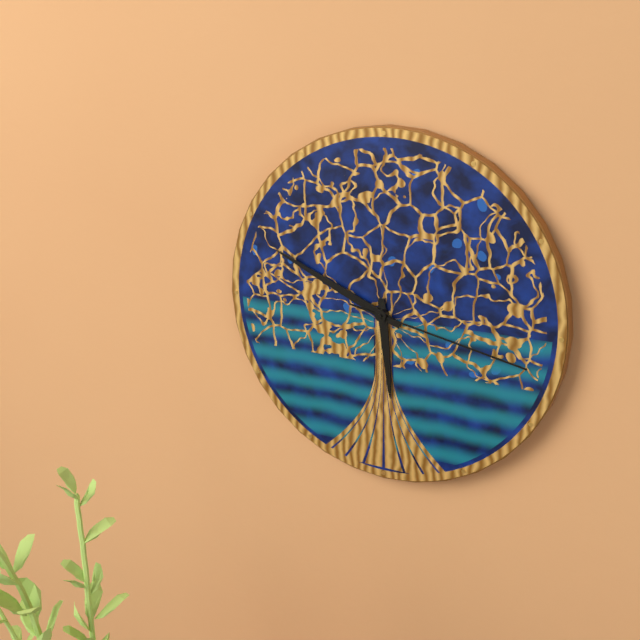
**5:49:17**
